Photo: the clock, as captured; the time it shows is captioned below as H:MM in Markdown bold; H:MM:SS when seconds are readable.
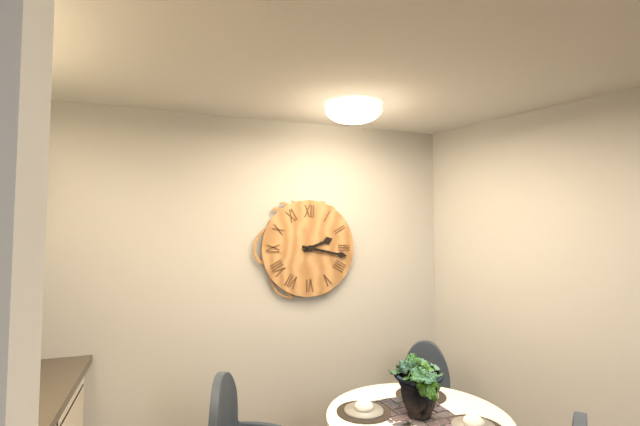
**2:17**
